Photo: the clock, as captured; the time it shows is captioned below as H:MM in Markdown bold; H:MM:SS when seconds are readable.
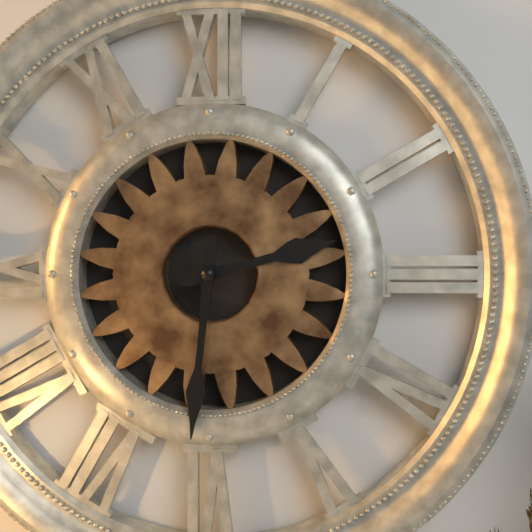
**2:31**
